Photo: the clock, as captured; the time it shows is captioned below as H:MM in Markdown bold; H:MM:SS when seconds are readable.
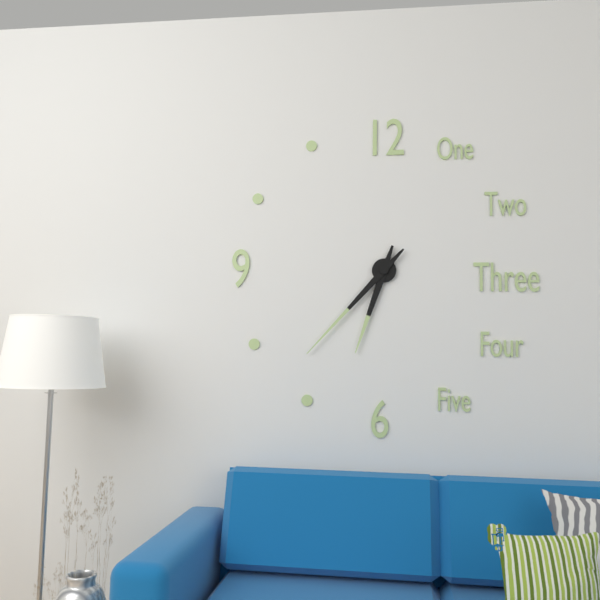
**6:37**
